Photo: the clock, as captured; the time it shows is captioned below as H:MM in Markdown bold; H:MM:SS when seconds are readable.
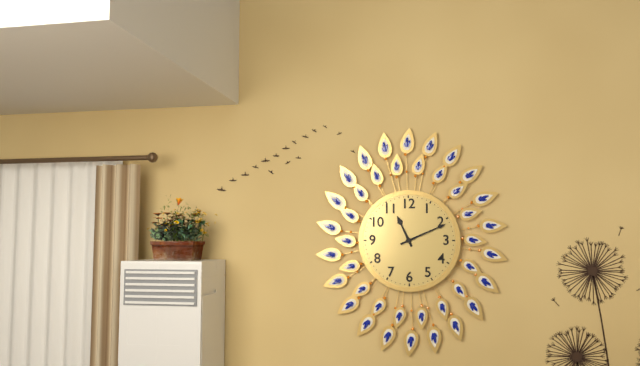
**11:11**
